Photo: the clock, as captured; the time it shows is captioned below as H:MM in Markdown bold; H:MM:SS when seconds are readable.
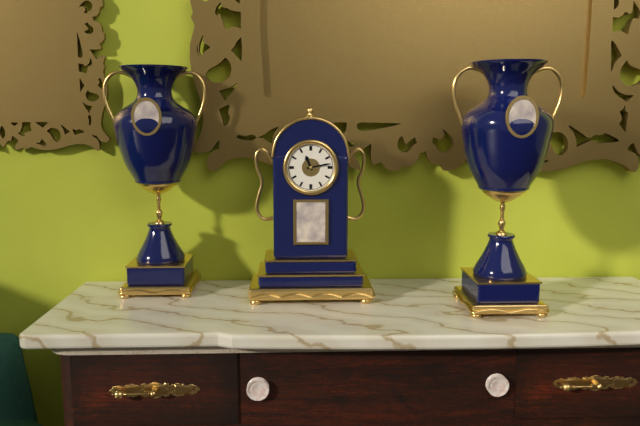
**11:13**
